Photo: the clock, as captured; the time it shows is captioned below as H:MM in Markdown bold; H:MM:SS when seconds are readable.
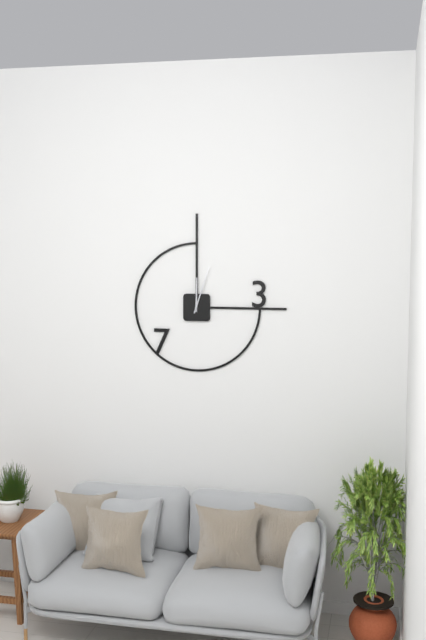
**12:03**
